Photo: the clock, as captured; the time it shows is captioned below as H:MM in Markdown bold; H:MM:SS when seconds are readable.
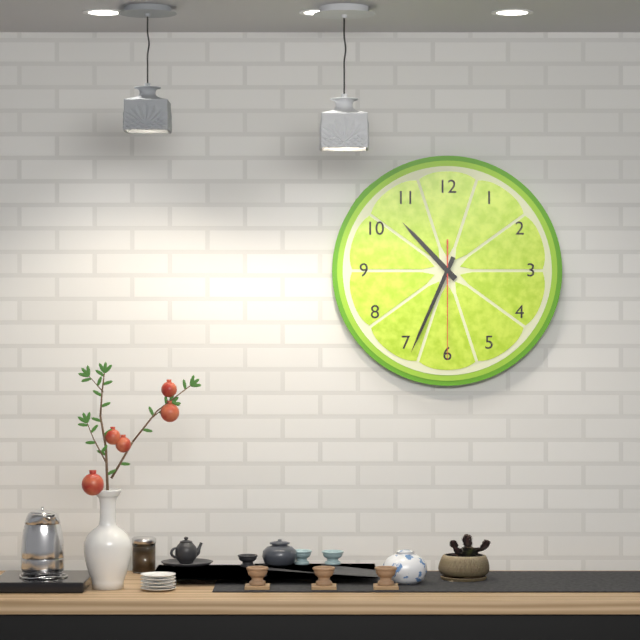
**10:34:30**
